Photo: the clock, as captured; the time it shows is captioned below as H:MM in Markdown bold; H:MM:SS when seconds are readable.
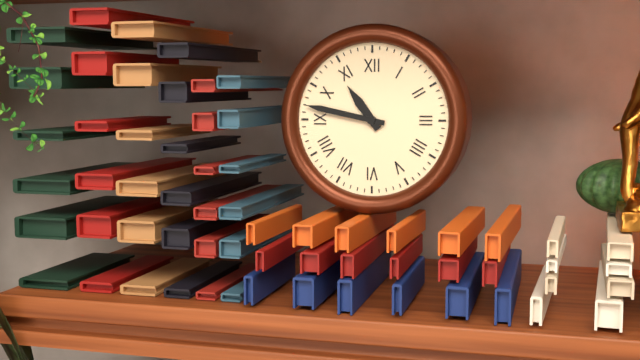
**10:47**
